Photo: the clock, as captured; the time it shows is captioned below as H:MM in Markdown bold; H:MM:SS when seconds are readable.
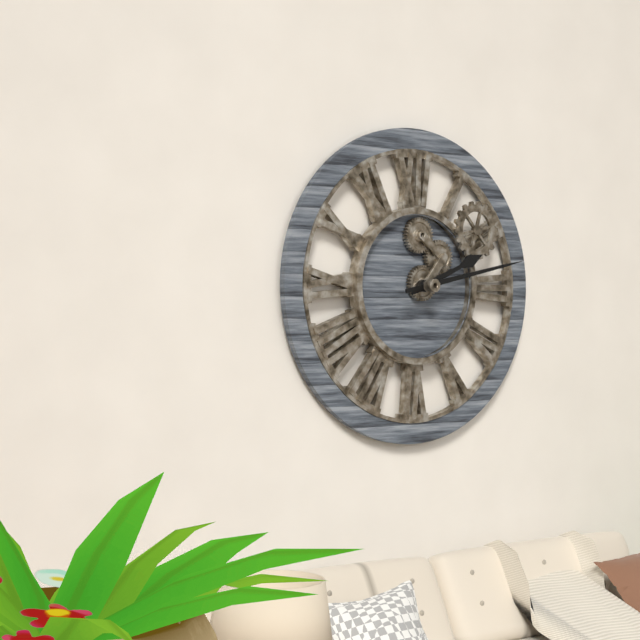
**2:13**
